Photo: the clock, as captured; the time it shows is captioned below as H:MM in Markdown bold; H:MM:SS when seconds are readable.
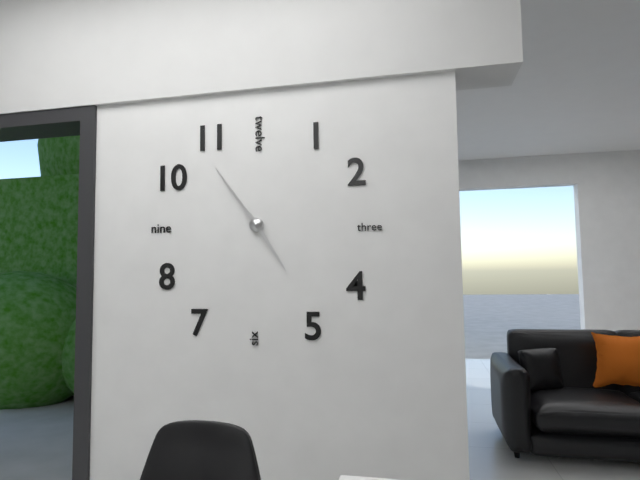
**4:54**
